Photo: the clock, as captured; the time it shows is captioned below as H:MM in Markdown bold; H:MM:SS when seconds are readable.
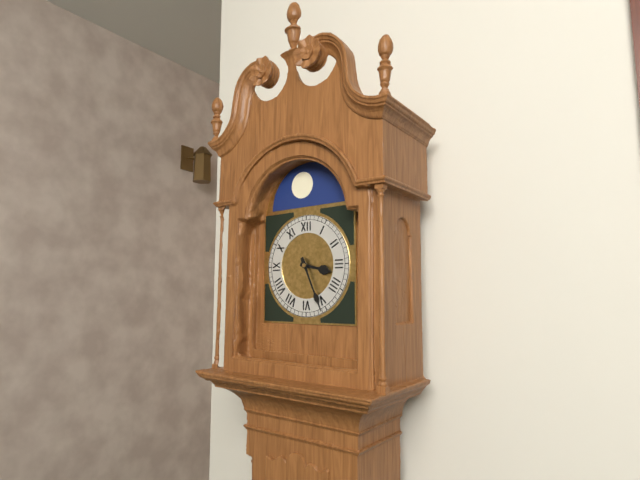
**3:26**
